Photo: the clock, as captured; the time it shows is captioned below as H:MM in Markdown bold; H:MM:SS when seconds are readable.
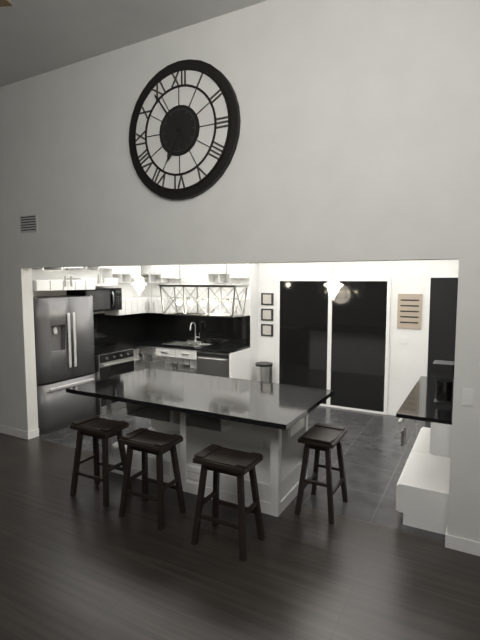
**6:54**
